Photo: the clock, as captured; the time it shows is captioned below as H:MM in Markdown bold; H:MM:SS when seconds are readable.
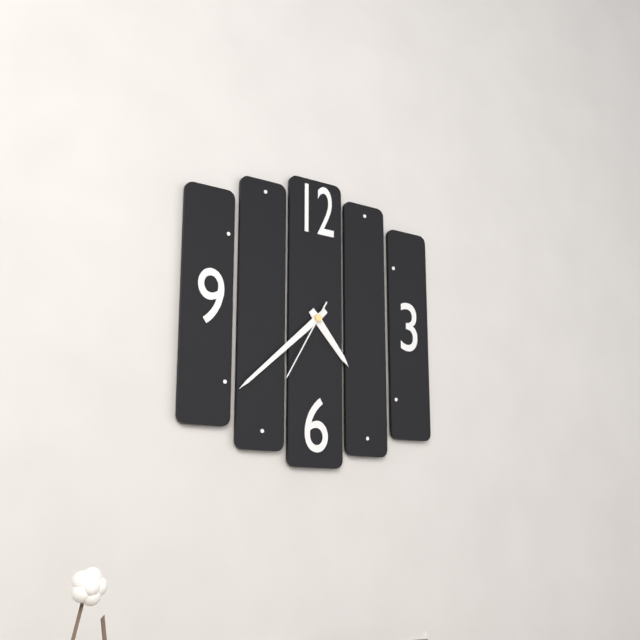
**4:38:35**
